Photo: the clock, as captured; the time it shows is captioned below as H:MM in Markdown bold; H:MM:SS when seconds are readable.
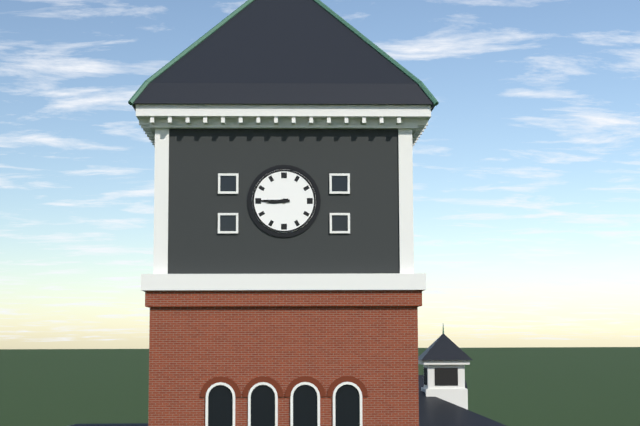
**8:45**
